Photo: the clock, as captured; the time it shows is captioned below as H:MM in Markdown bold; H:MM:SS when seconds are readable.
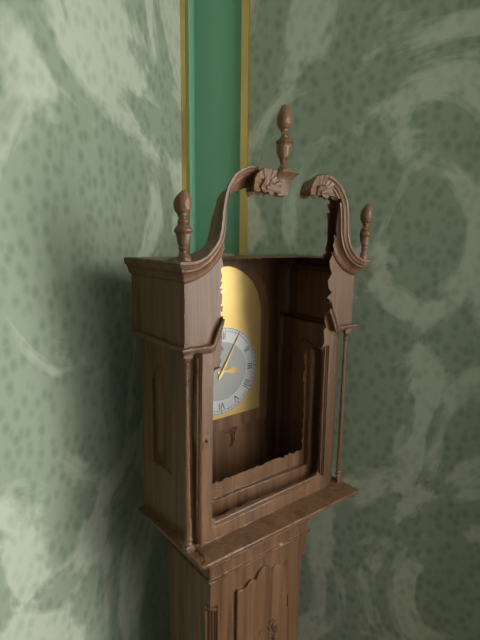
**3:05**
